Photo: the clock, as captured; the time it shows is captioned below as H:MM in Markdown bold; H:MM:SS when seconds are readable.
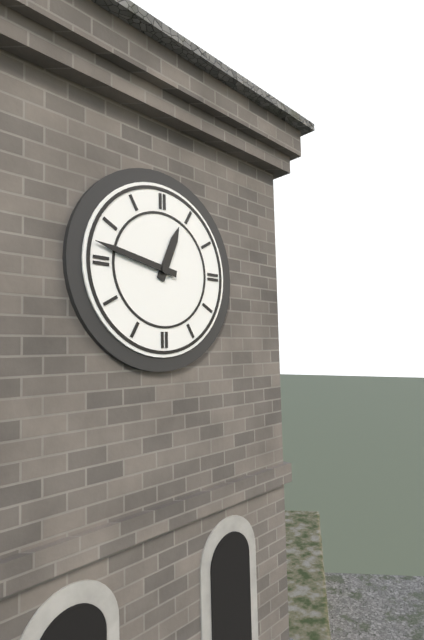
**12:47**
